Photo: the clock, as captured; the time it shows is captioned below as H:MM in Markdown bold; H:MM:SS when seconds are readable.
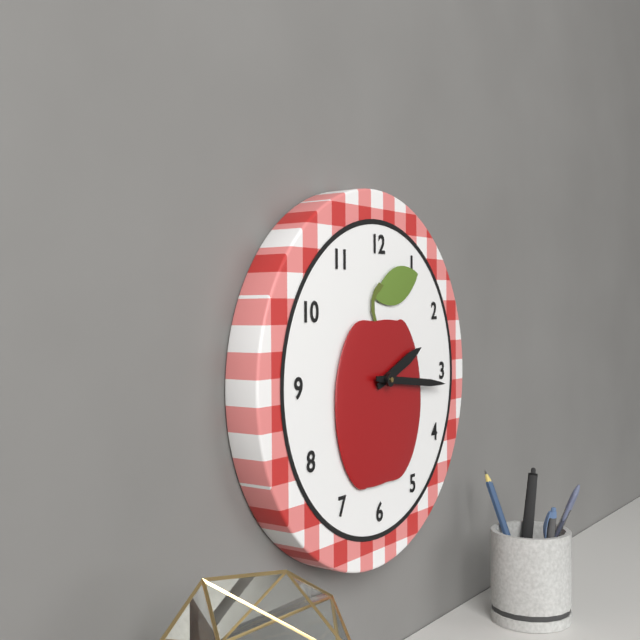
**2:16**
